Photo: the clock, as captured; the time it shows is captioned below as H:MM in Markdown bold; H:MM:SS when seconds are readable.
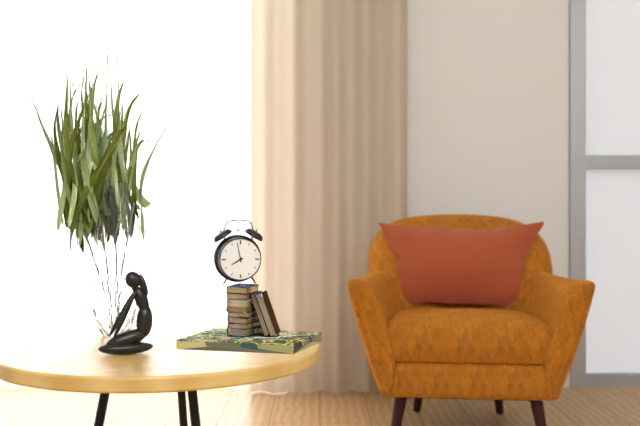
**7:58**
